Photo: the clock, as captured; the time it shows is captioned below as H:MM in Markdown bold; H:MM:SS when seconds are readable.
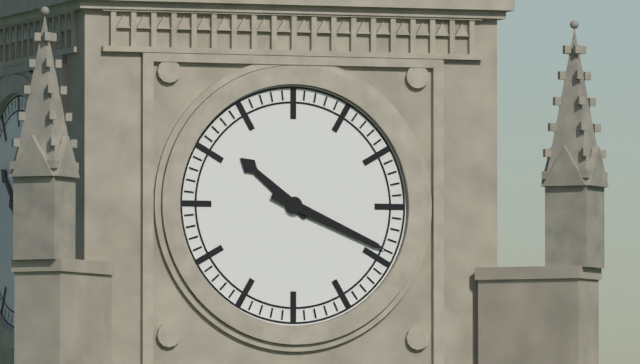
**10:19**
